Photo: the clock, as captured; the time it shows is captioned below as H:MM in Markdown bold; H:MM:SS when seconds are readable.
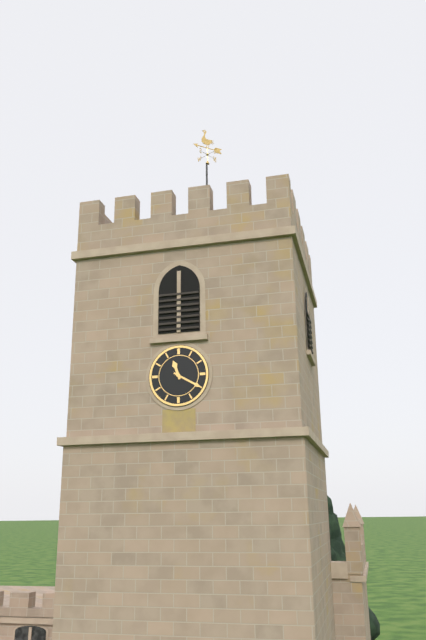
**11:20**
